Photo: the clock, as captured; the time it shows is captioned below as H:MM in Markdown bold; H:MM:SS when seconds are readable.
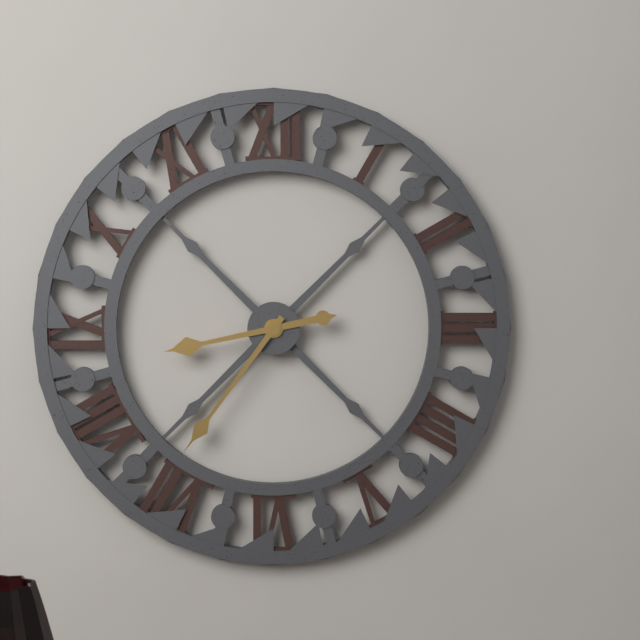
**8:36**
